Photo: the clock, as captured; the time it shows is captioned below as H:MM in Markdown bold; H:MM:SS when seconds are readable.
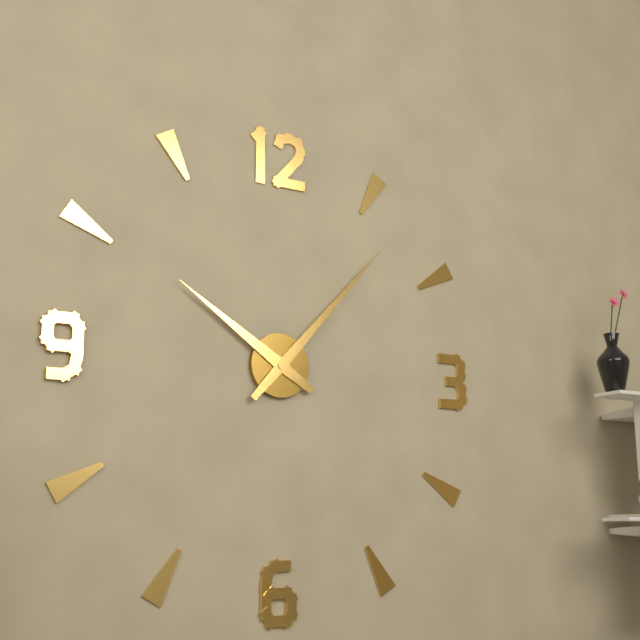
**10:07**
